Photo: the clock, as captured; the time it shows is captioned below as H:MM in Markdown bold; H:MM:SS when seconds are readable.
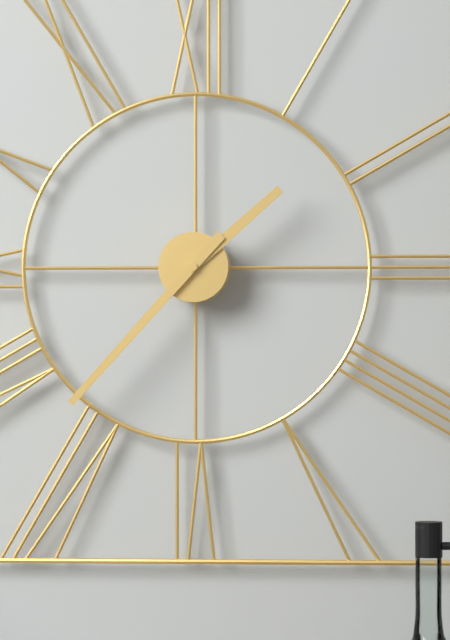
**1:37**
